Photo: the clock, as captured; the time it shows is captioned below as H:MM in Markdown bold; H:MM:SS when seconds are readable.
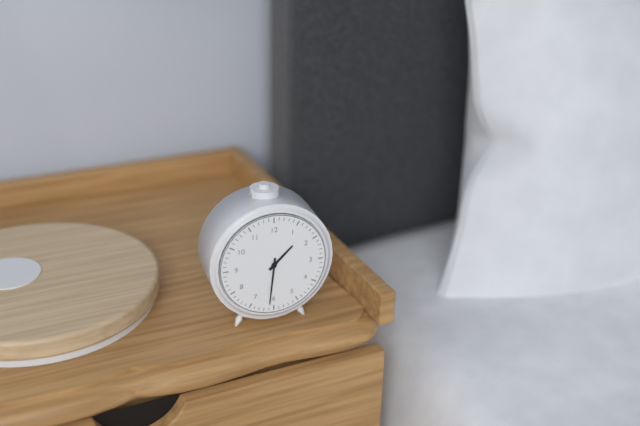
**1:31**
